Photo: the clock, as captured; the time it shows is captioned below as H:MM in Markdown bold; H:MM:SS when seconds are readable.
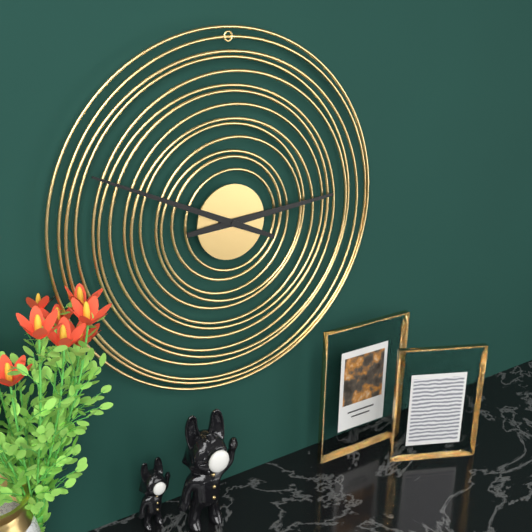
**2:49**
